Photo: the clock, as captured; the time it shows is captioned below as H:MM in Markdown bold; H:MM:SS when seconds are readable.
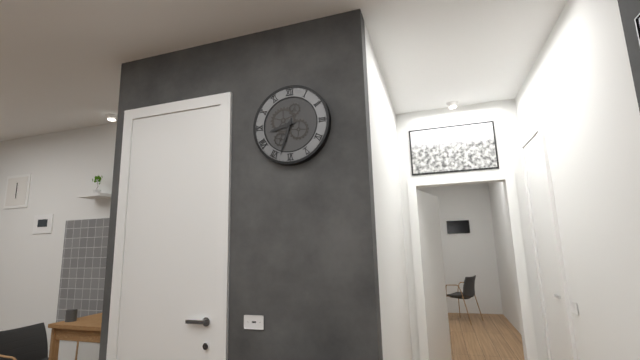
**8:33**
